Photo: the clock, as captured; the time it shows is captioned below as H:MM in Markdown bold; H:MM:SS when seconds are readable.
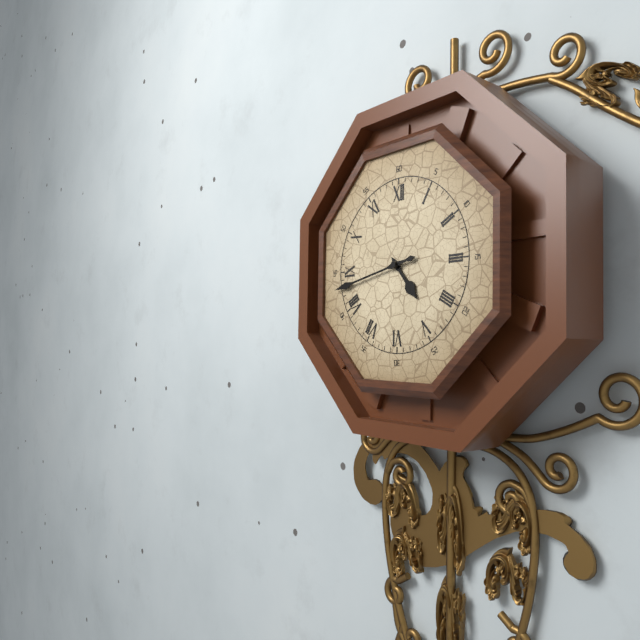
**4:43**
